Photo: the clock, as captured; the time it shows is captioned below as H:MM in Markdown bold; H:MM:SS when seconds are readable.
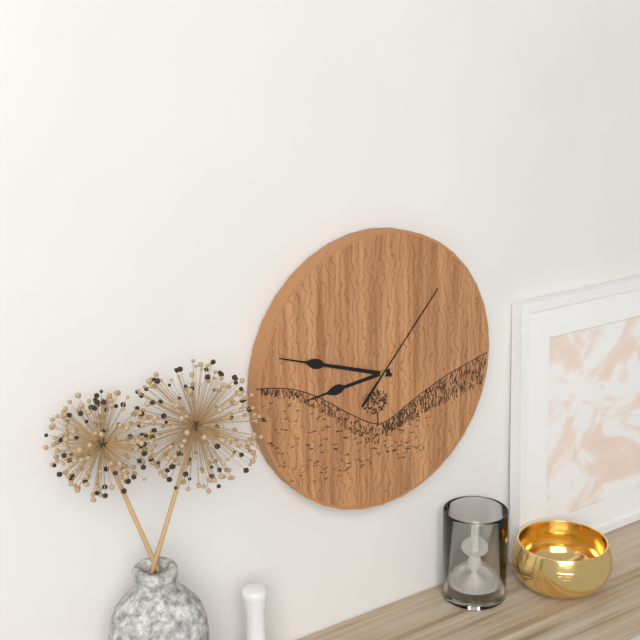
**8:48:07**
